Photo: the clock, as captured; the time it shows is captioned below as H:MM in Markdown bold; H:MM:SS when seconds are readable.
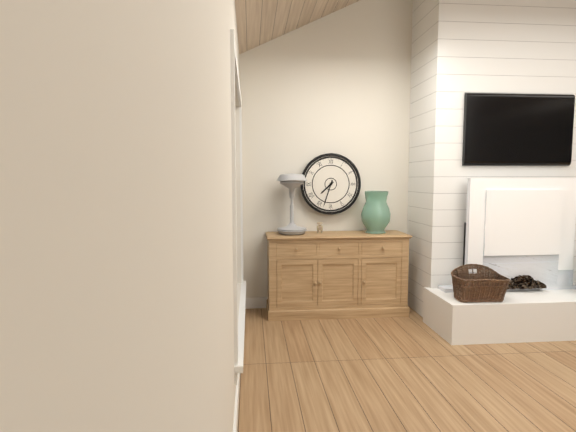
**7:33**
